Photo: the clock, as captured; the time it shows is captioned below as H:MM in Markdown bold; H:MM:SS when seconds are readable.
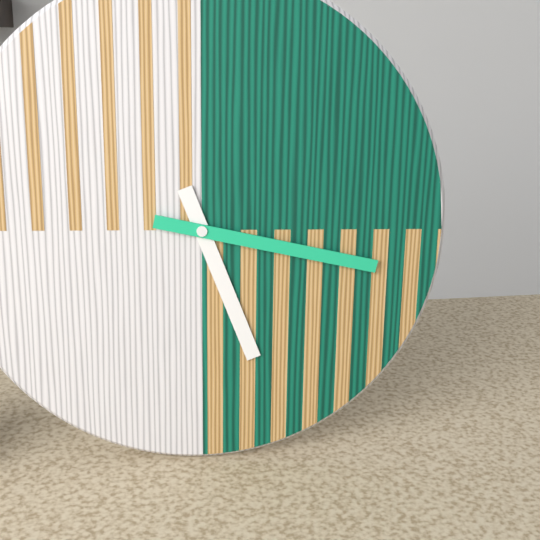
**5:17**
